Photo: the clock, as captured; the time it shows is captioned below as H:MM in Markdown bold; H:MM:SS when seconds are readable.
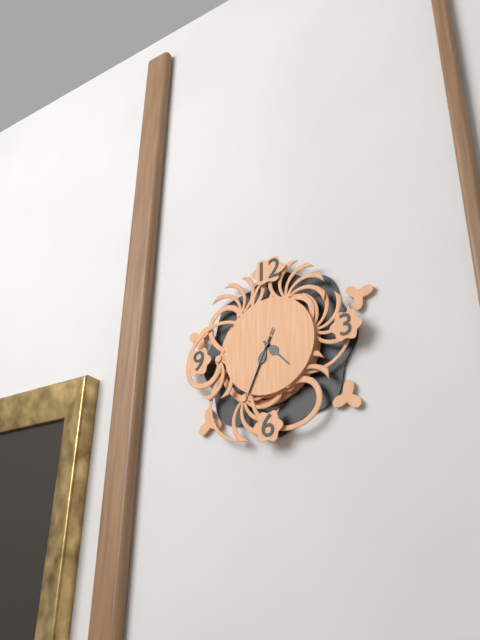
**4:34:34**
